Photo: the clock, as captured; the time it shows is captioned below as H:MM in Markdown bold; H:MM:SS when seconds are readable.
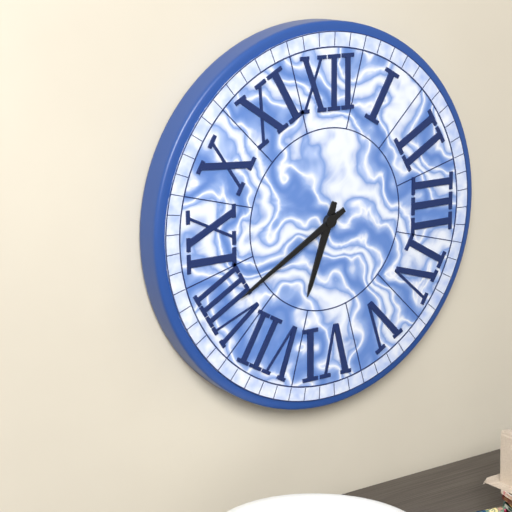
**6:40**
